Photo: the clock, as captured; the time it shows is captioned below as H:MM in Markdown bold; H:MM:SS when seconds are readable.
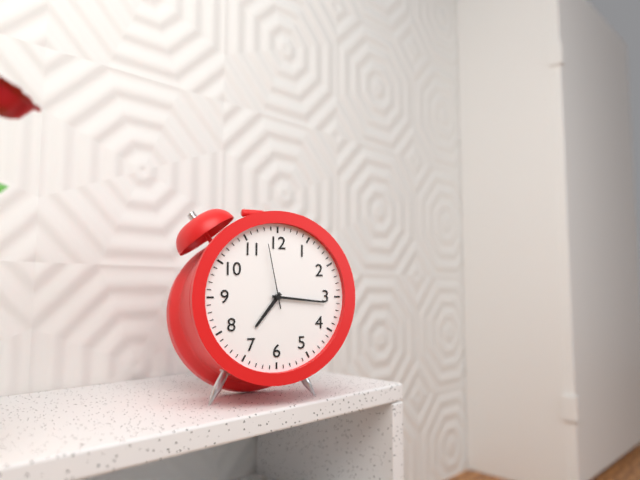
**7:16:58**
